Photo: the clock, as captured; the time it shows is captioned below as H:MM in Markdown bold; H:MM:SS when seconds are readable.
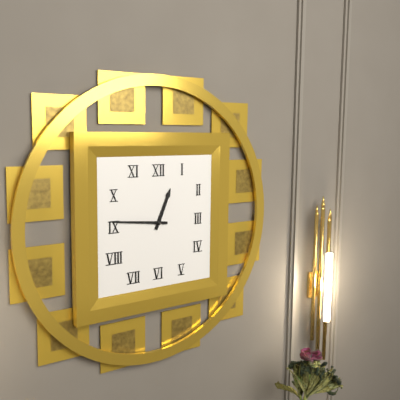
**12:46**
